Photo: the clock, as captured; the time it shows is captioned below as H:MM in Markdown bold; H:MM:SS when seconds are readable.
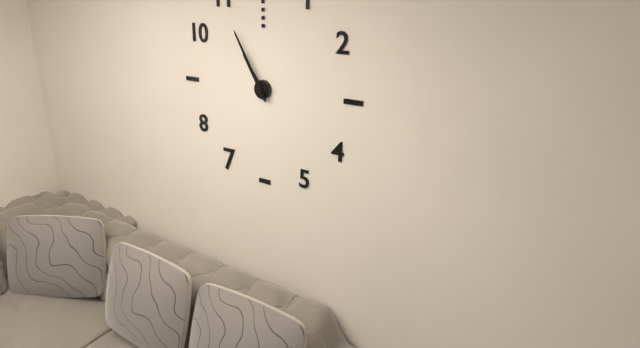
**10:55**
